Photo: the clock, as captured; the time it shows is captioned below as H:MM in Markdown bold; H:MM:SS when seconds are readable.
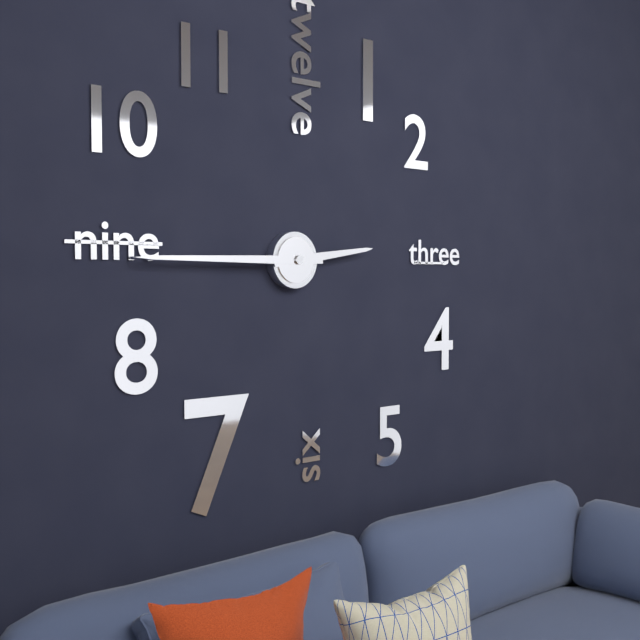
**2:45**
